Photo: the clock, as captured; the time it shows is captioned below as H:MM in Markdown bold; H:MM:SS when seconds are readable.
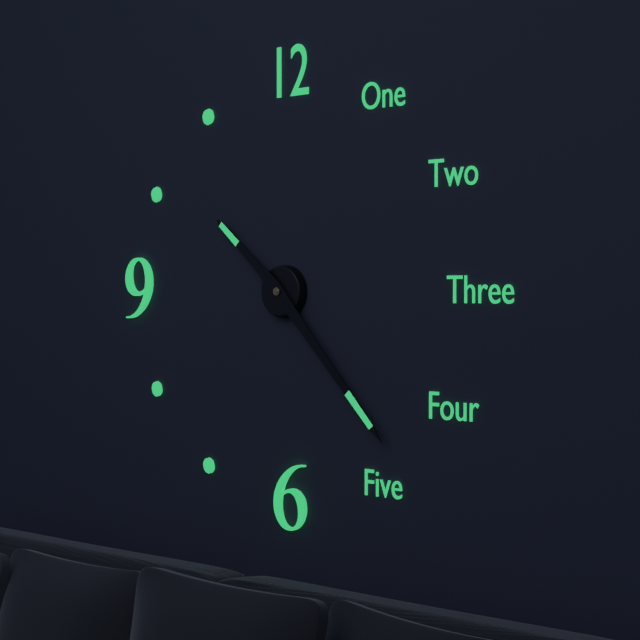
**10:23**
